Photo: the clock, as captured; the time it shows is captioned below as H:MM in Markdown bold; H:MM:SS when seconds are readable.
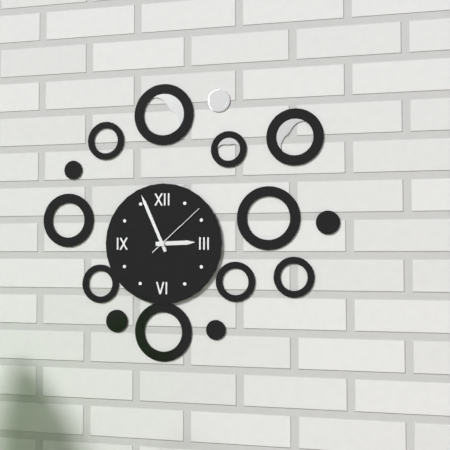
**2:56:08**
